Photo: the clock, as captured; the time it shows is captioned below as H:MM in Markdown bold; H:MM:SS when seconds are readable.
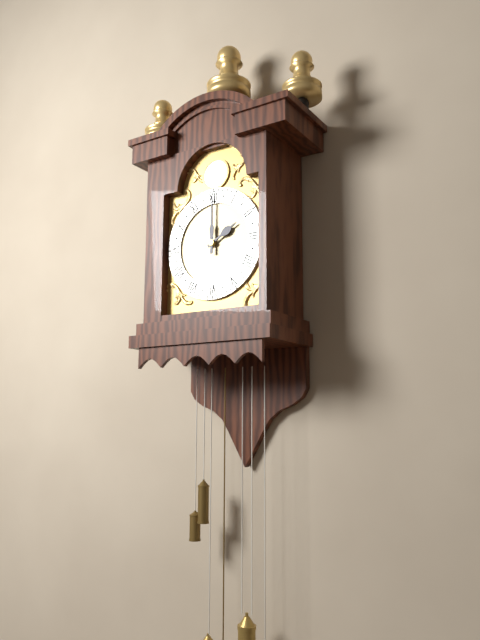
**2:00**
